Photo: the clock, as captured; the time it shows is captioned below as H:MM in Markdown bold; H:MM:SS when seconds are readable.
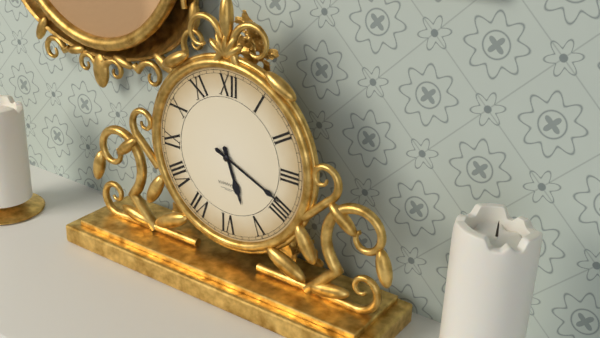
**5:19**
